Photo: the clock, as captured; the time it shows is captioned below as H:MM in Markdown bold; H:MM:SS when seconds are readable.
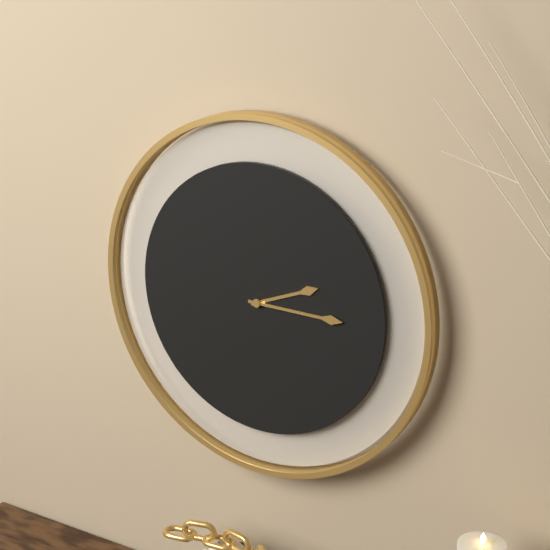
**2:15**
